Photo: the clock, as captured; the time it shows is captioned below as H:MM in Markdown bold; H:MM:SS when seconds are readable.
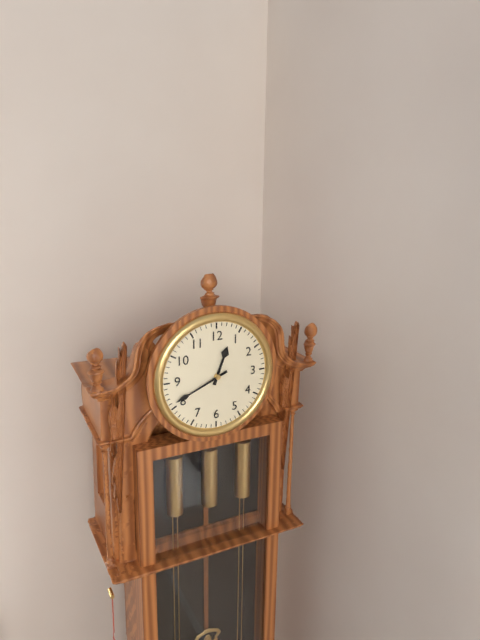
**12:41**
